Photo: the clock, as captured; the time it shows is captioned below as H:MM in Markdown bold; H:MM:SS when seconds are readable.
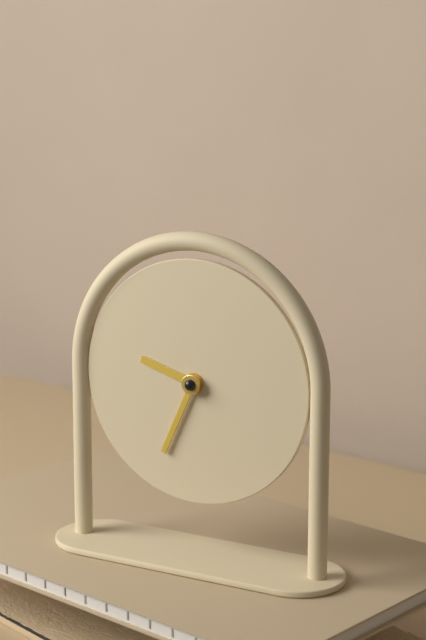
**9:34**
